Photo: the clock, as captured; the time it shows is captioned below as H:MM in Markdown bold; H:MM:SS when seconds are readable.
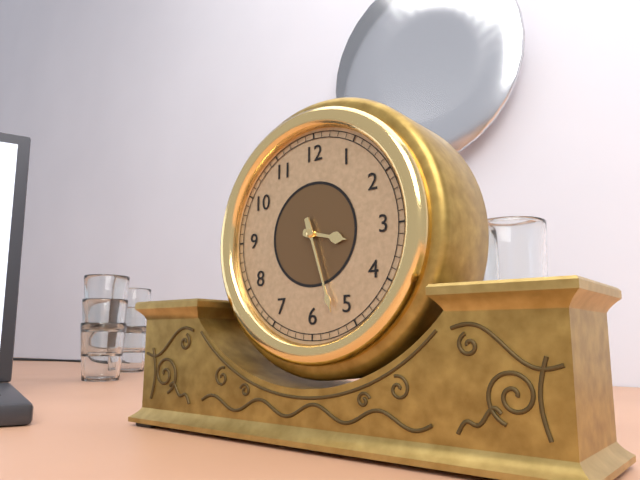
**3:27**
